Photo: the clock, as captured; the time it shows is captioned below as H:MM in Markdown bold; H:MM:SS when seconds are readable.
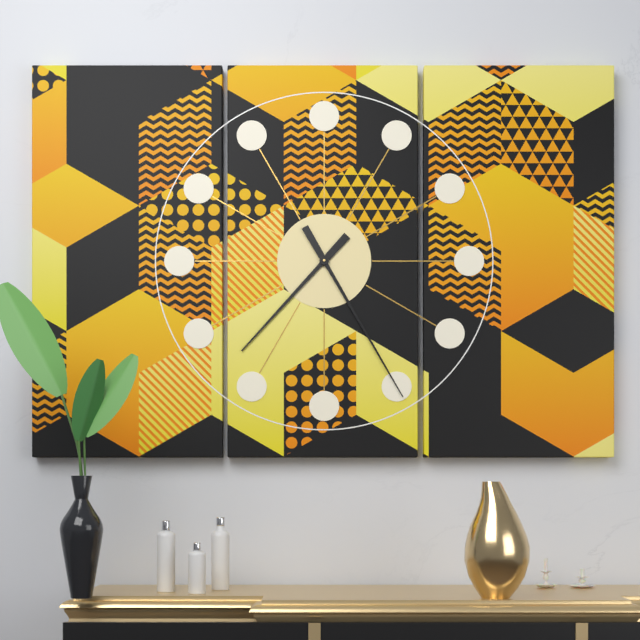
**7:25**
